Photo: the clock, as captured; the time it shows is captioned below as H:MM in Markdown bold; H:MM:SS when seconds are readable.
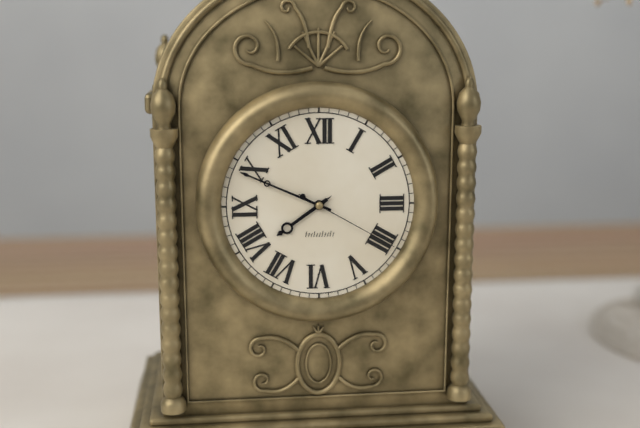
**7:49:20**
